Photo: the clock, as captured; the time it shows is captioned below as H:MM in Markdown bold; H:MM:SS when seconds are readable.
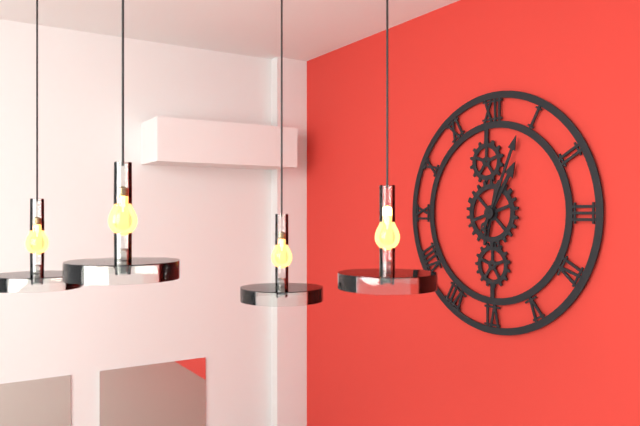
**1:04**
